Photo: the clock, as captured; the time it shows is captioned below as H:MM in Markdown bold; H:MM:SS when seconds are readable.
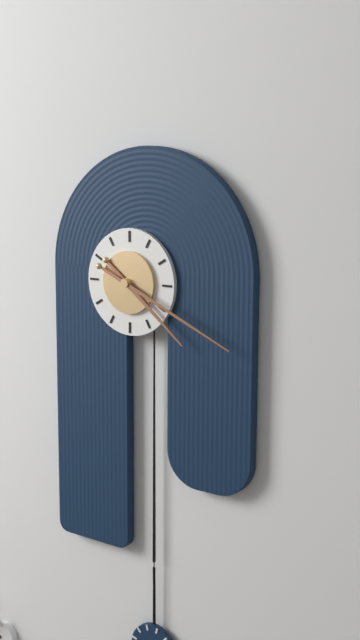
**4:19**
